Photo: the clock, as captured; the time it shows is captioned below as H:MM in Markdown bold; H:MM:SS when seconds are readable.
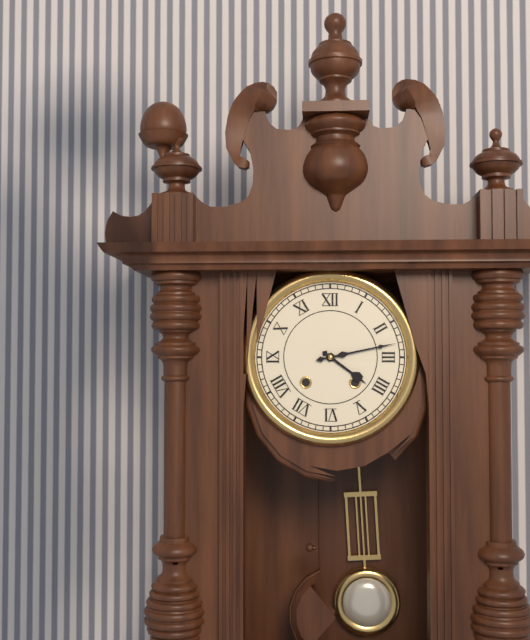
**4:13**
